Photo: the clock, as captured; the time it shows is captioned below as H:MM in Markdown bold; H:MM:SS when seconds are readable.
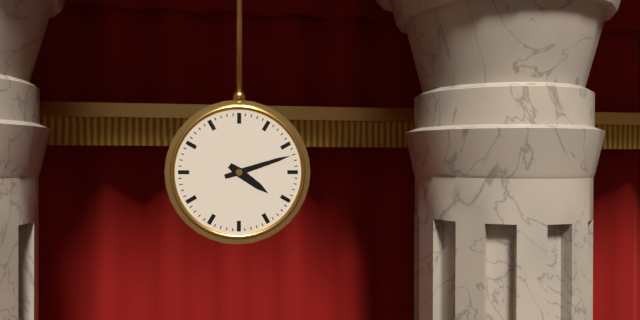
**4:12**
